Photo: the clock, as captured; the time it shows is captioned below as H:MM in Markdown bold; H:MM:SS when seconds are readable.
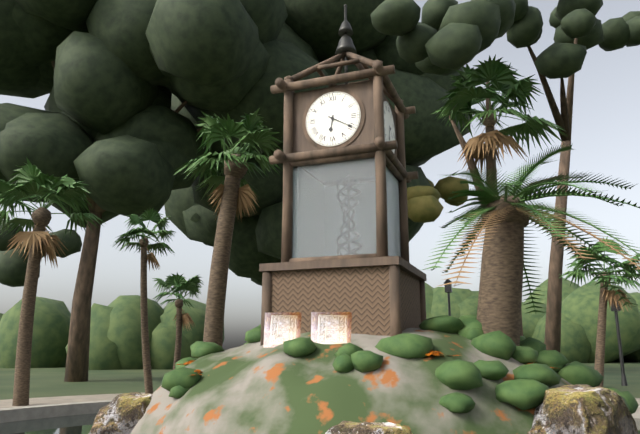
**6:20**
